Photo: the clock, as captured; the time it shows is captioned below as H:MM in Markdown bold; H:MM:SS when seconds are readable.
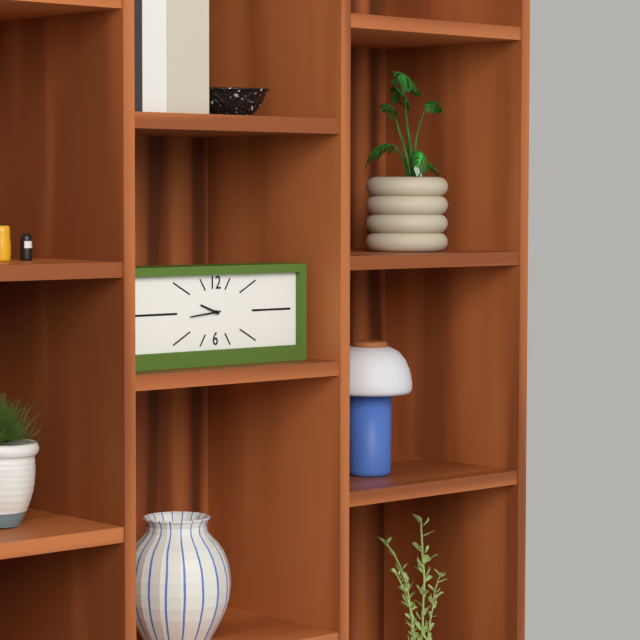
**9:44**
